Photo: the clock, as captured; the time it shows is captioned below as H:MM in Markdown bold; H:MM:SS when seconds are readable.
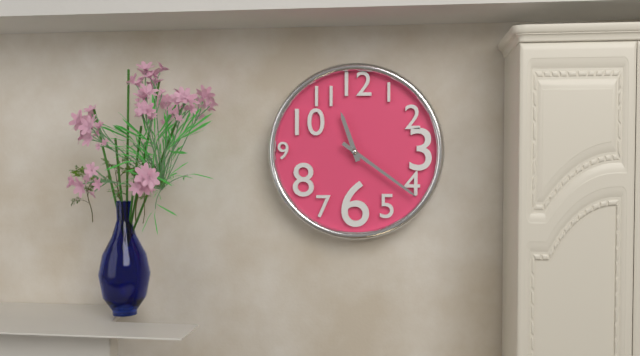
**11:21**
